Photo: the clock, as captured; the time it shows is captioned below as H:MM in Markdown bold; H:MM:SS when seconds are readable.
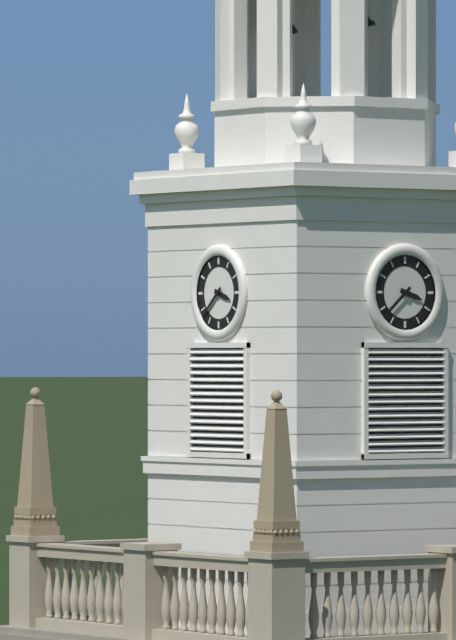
**3:38**
